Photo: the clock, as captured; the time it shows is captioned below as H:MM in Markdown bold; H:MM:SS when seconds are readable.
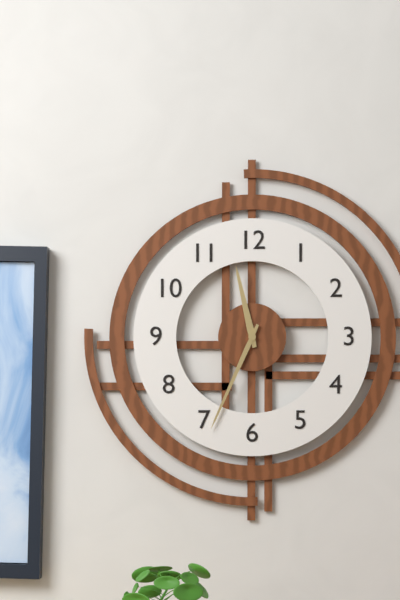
**11:34**
